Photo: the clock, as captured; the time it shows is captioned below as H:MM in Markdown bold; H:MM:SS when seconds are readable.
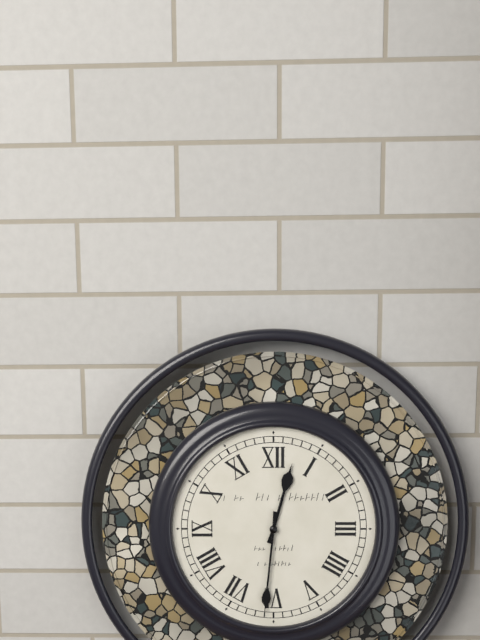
**12:31**
